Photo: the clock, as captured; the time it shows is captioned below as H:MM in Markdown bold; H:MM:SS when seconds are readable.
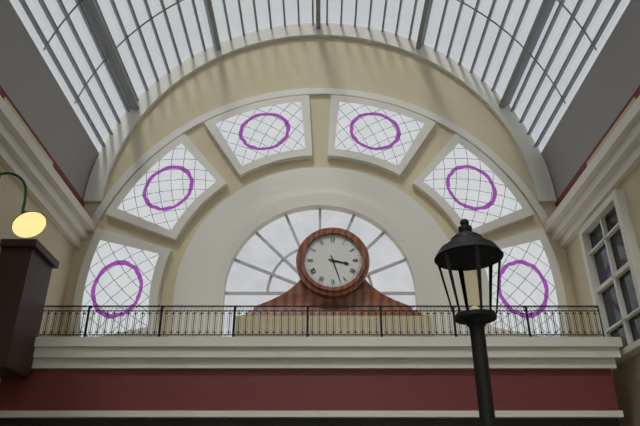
**3:27**
